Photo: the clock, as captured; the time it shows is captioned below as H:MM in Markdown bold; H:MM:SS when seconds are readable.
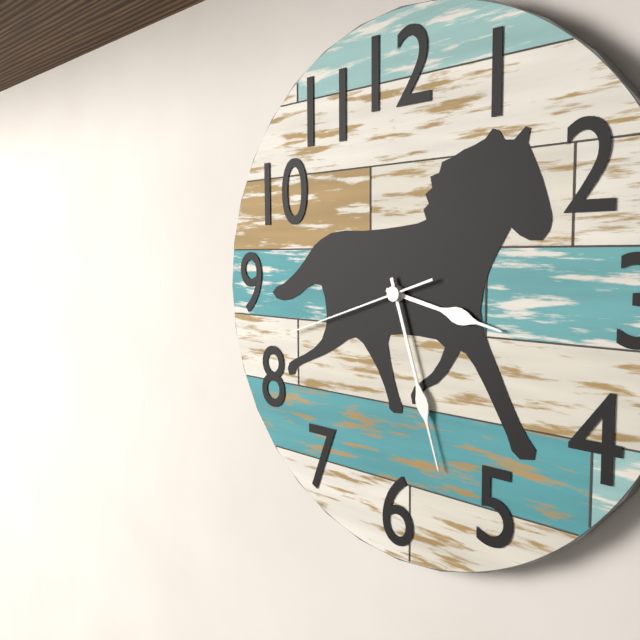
**3:27:42**
